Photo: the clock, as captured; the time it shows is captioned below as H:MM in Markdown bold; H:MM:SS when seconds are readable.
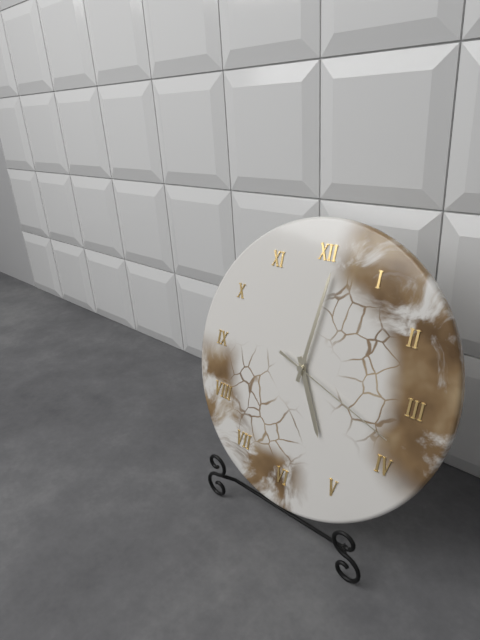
**5:01:18**
